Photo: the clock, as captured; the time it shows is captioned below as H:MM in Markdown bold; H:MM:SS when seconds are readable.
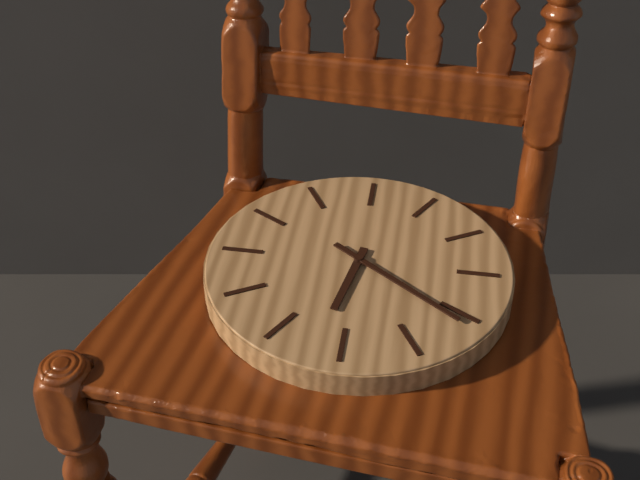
**6:21**
